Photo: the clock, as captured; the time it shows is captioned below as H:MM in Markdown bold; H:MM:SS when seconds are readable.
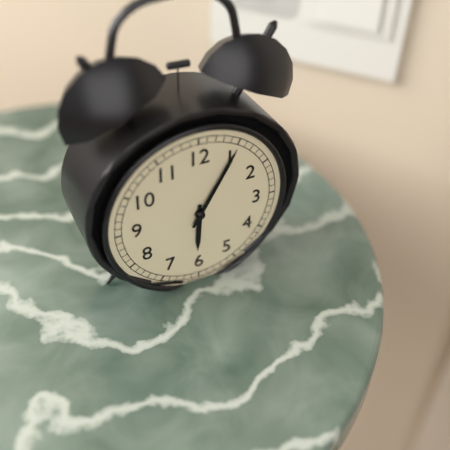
**6:05**
